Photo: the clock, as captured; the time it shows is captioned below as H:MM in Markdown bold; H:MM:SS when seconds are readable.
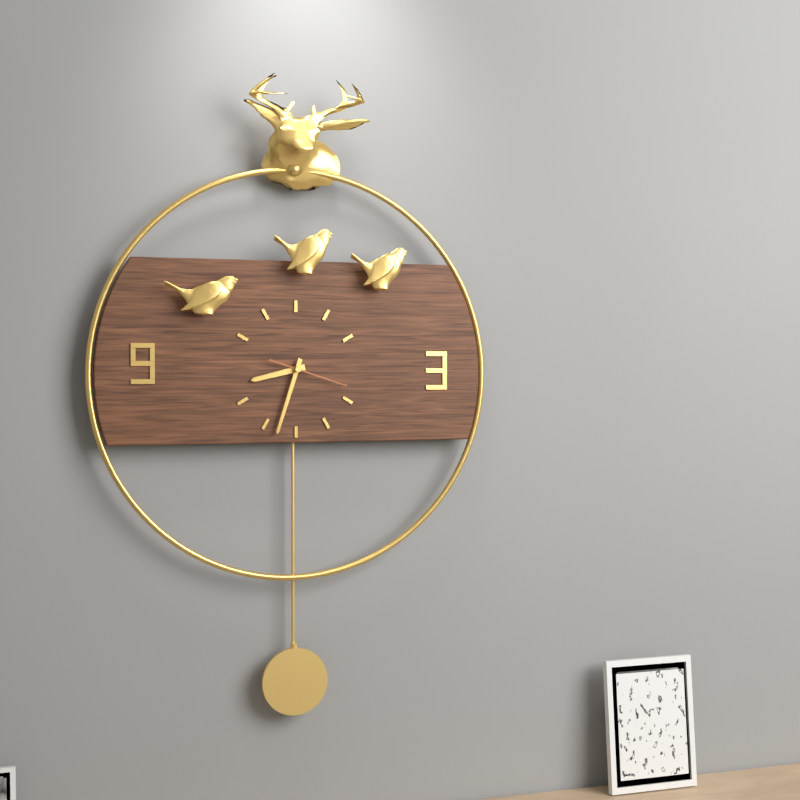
**8:33:18**
